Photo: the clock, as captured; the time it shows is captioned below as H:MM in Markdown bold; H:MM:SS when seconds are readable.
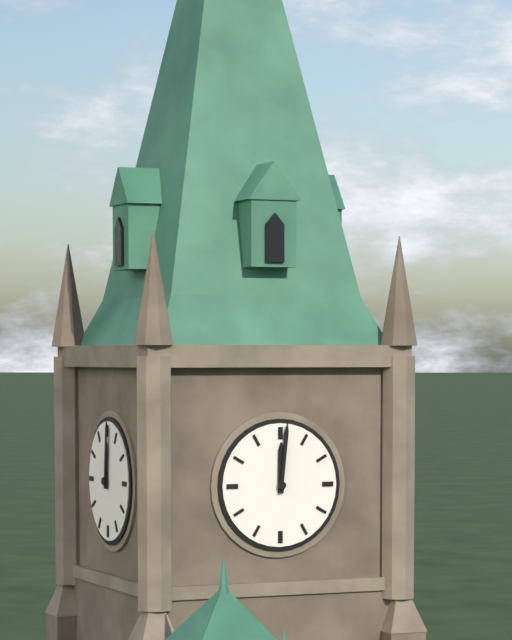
**12:01**
